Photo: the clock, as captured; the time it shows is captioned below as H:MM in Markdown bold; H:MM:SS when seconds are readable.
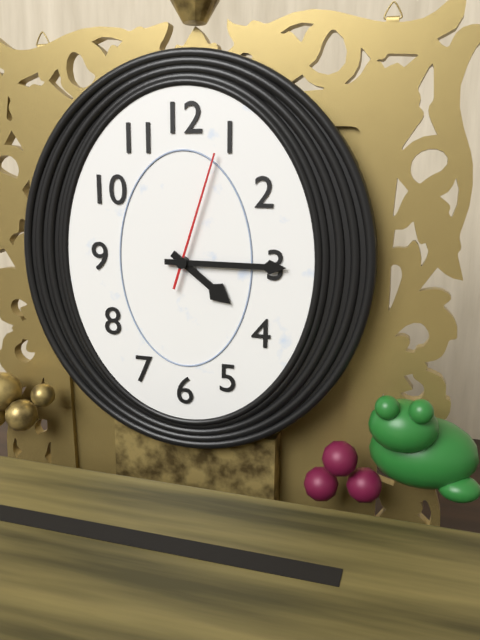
**4:15:03**
